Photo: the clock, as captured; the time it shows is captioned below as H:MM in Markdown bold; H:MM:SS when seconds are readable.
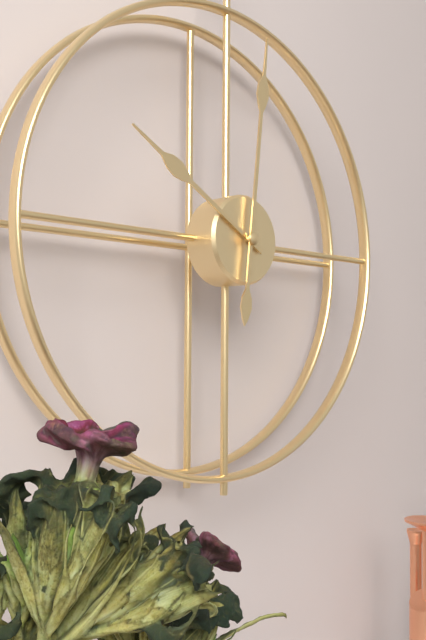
**10:01**
